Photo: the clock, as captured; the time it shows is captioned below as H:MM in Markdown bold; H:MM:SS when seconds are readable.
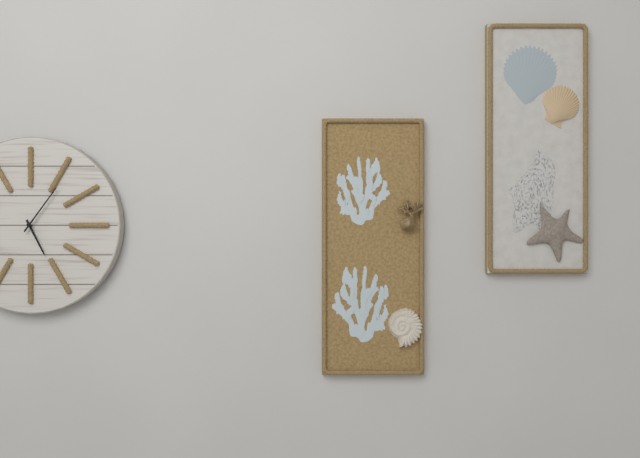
**5:06**
